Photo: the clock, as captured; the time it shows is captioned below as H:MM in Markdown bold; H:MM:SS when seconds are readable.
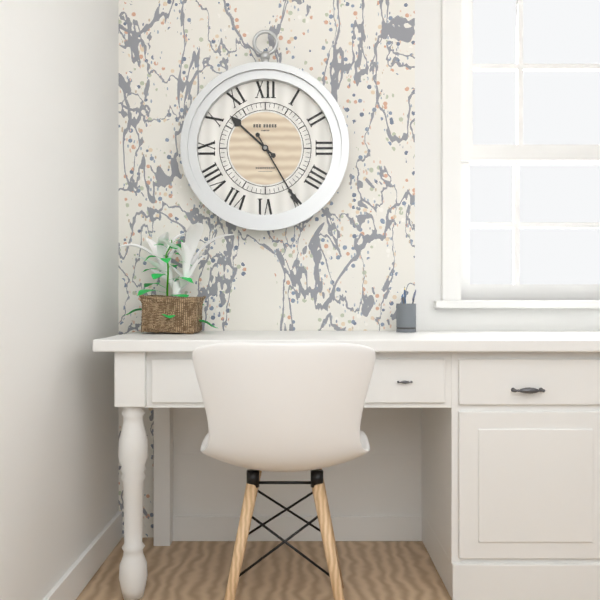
**10:25**
